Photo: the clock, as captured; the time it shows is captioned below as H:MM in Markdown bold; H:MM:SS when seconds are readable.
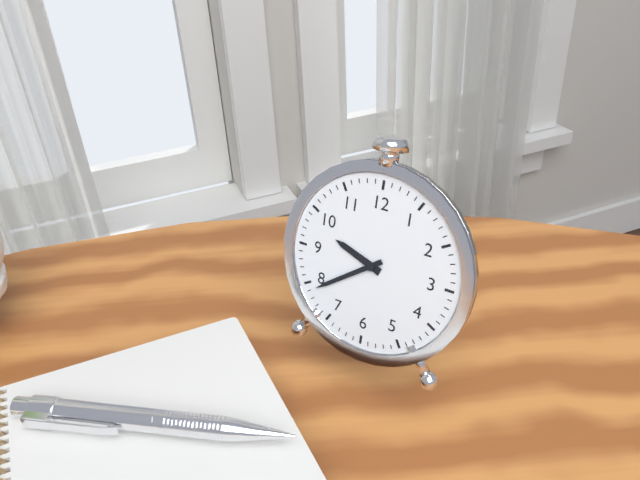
**9:39**
